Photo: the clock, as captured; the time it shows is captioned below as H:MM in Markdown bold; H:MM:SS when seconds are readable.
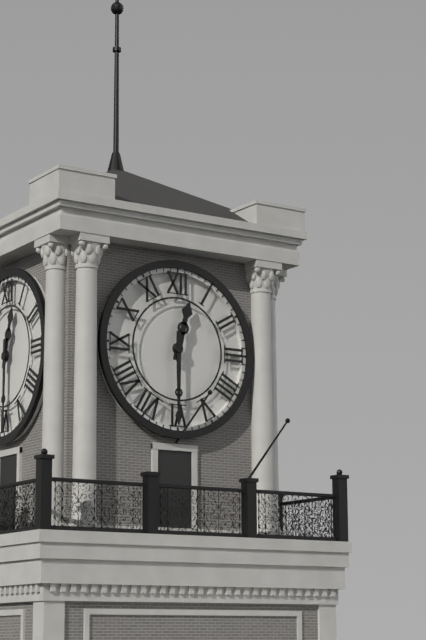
**12:30**
